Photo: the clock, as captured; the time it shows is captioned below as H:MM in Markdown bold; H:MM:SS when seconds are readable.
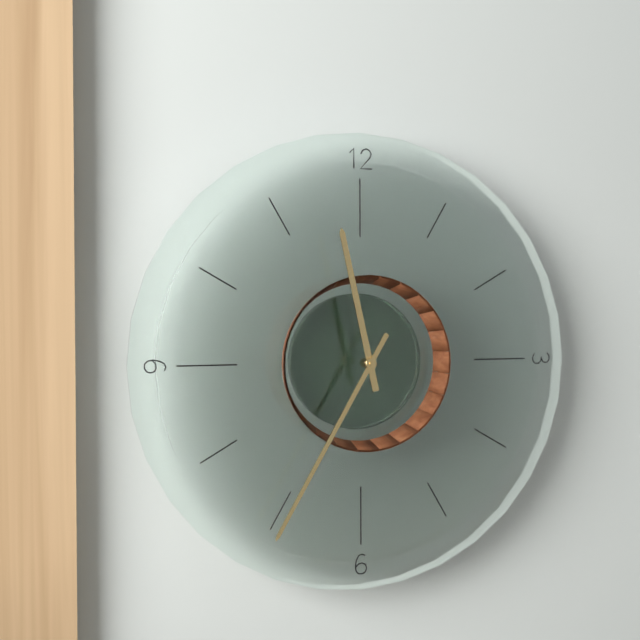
**11:35**
